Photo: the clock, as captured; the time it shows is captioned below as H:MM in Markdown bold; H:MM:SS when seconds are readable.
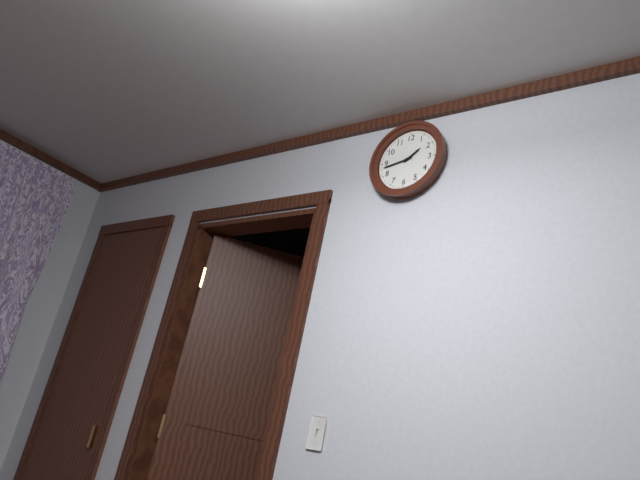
**1:43**
